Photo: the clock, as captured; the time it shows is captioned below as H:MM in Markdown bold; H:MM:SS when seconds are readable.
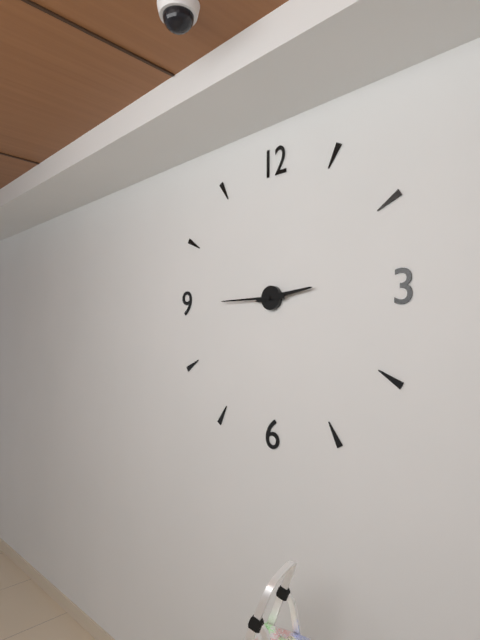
**2:45**
